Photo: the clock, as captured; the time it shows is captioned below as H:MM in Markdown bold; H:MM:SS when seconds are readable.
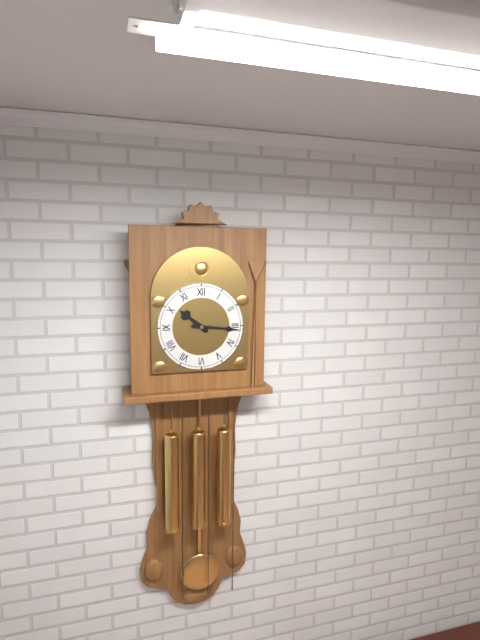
**10:16**
